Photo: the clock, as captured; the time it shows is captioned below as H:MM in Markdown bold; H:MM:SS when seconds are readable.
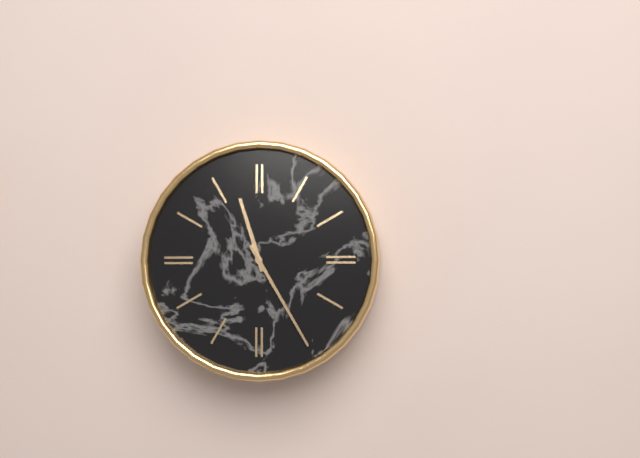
**11:25**
